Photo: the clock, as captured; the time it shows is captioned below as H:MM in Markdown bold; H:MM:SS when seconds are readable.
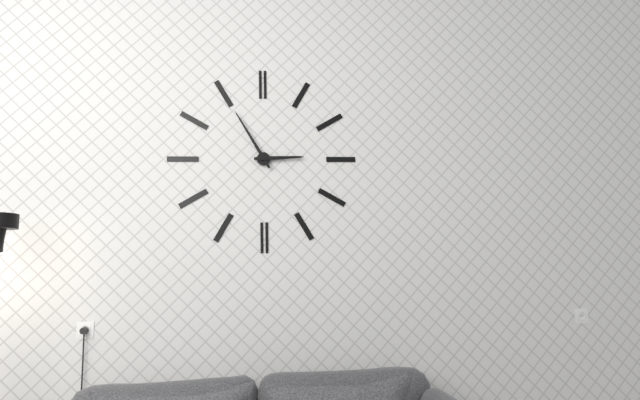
**2:55**
